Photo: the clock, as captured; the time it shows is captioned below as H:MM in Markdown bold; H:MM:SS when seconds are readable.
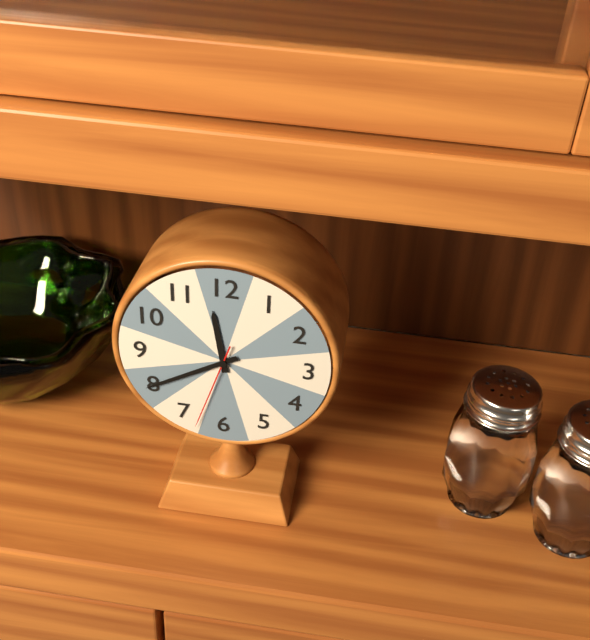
**11:40:33**
